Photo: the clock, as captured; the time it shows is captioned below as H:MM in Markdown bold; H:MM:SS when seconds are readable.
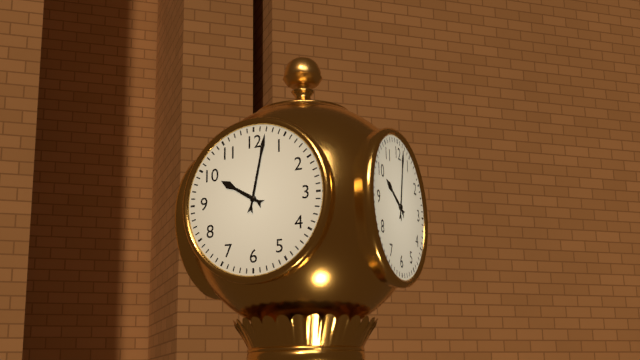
**10:02**
